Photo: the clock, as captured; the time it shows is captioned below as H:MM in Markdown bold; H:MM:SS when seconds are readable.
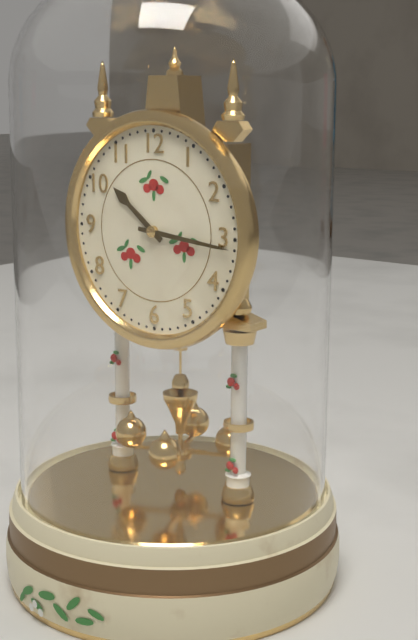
**10:16**
